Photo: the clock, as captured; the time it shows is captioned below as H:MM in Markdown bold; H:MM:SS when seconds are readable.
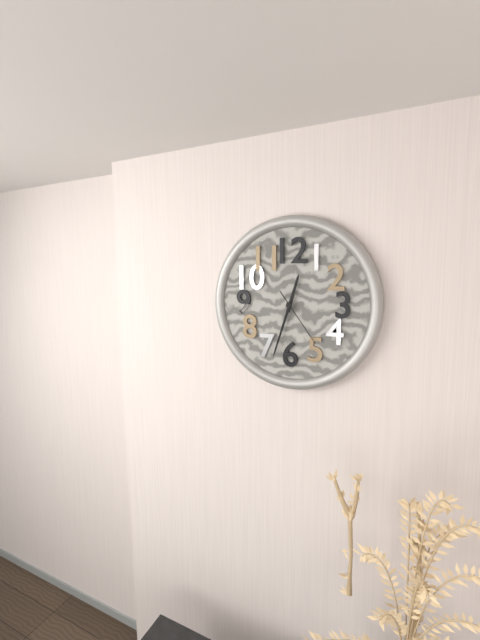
**12:33:24**
